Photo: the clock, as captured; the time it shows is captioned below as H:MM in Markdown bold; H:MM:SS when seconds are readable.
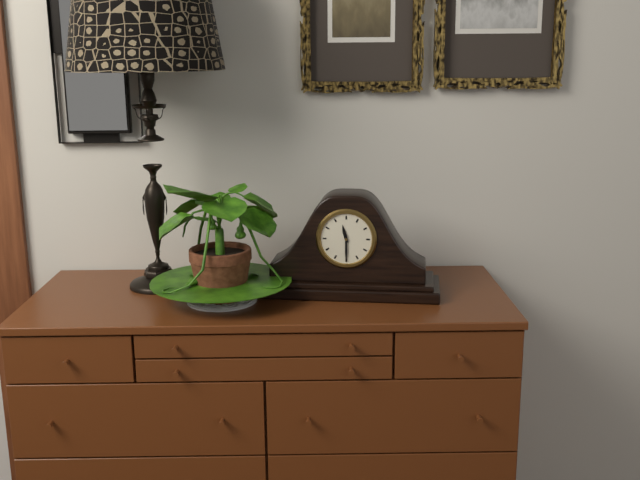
**11:30**
